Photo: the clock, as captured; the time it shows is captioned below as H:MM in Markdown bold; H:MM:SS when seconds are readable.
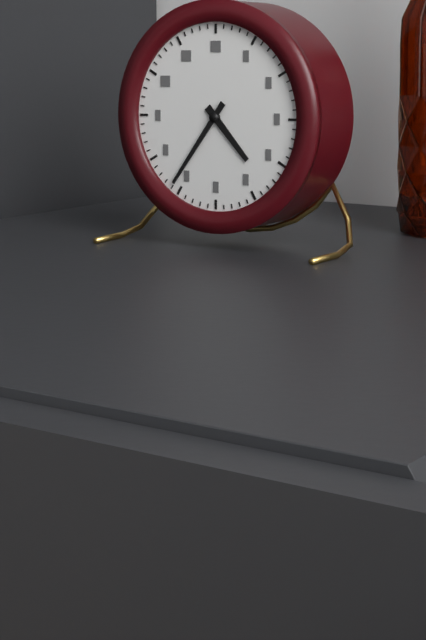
**4:36**
